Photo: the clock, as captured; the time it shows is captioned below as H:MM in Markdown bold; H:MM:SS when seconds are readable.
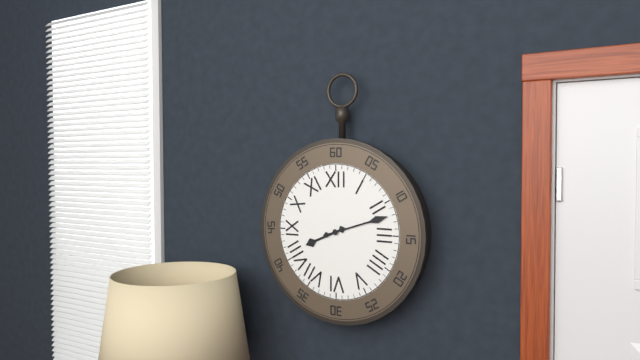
**8:12**
